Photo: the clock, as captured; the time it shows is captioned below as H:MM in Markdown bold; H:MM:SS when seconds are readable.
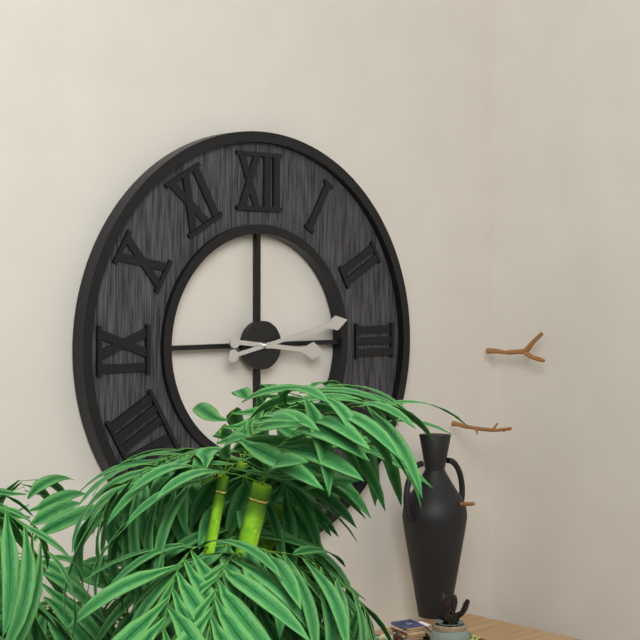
**3:13**
